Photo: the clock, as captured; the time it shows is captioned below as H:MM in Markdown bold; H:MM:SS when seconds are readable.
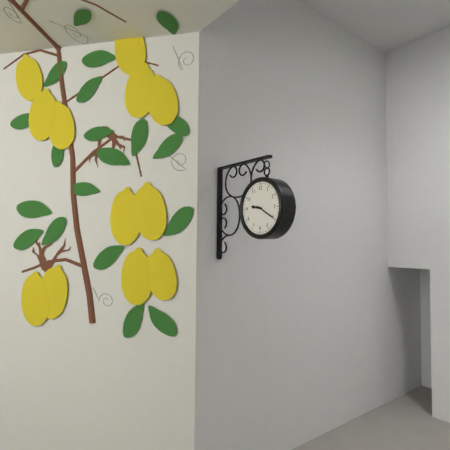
**9:20**
